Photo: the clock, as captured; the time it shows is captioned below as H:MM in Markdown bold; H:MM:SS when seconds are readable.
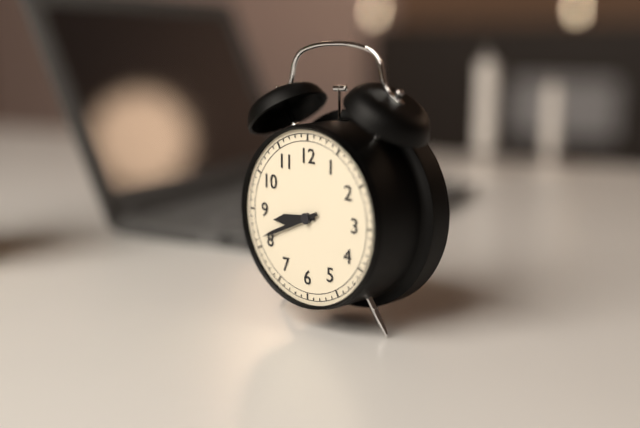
**8:41**
